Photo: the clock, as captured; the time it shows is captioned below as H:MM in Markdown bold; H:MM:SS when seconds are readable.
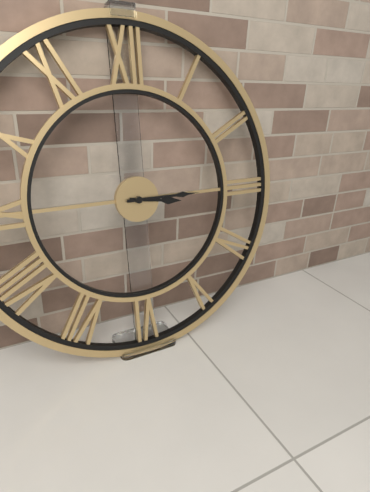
**3:15**
